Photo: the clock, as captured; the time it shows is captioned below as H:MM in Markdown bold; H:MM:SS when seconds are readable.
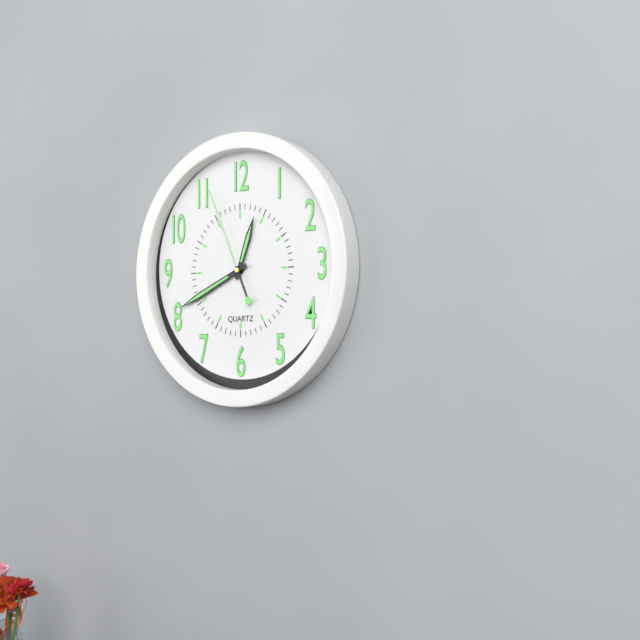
**12:41:56**
